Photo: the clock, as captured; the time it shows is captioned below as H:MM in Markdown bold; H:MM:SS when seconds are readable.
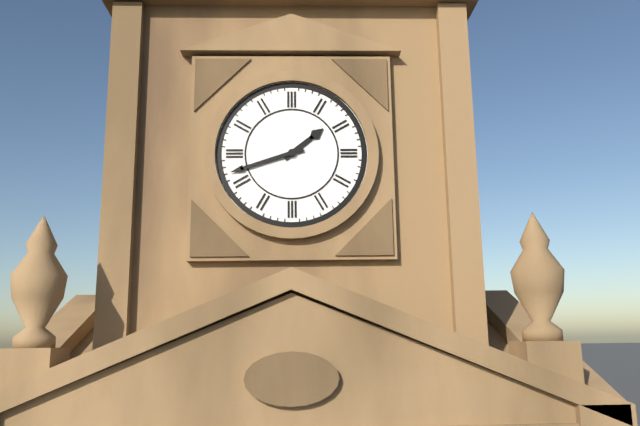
**1:42**
